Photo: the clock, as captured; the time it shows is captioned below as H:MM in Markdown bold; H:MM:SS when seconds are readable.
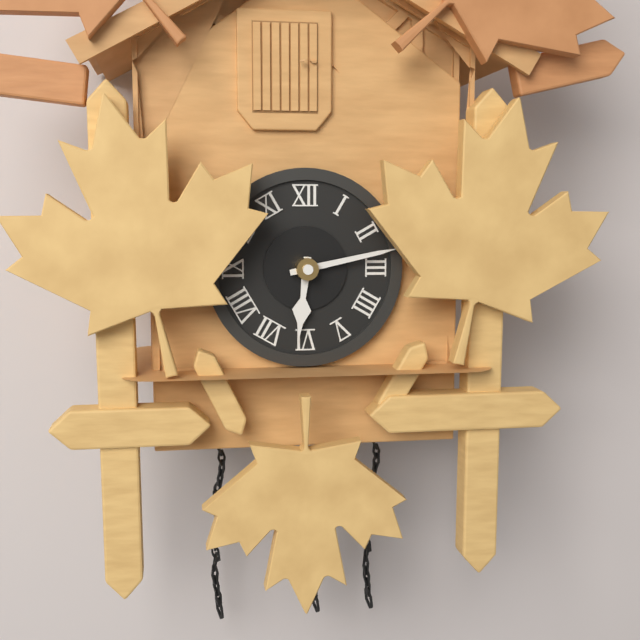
**6:13**
